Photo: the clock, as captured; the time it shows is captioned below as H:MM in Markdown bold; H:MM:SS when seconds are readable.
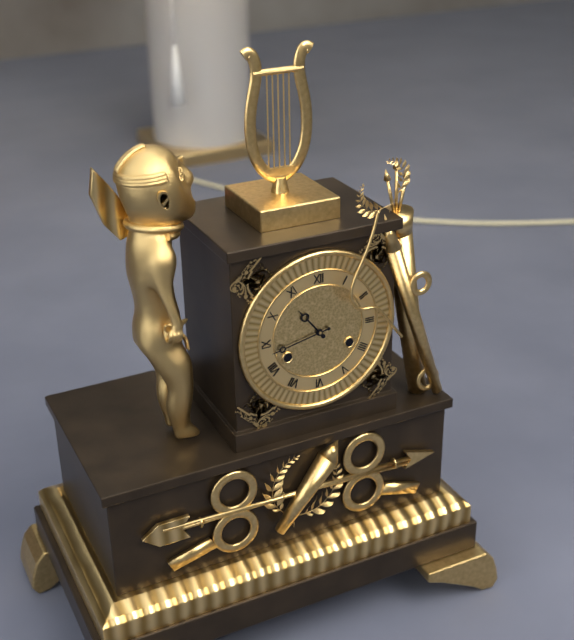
**10:43**
